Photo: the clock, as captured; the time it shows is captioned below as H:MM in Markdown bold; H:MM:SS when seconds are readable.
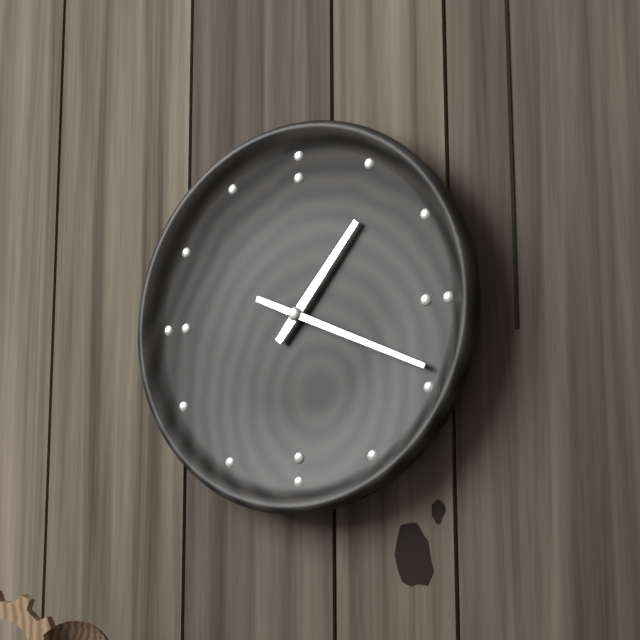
**1:19**
